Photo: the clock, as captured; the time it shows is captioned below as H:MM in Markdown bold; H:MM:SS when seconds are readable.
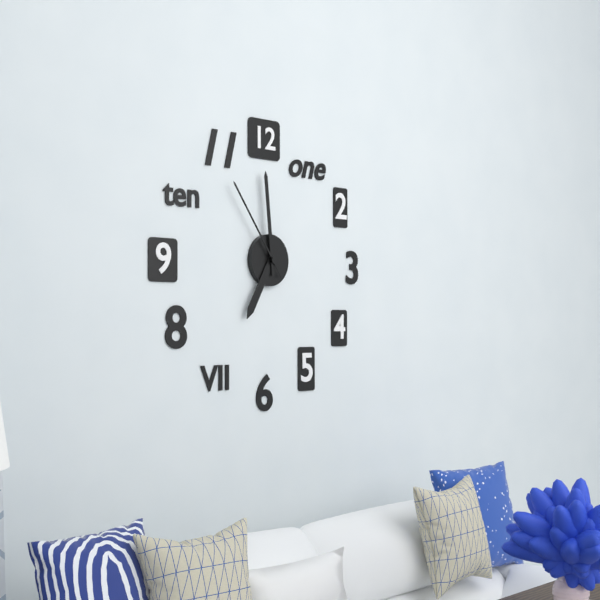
**6:59:54**
